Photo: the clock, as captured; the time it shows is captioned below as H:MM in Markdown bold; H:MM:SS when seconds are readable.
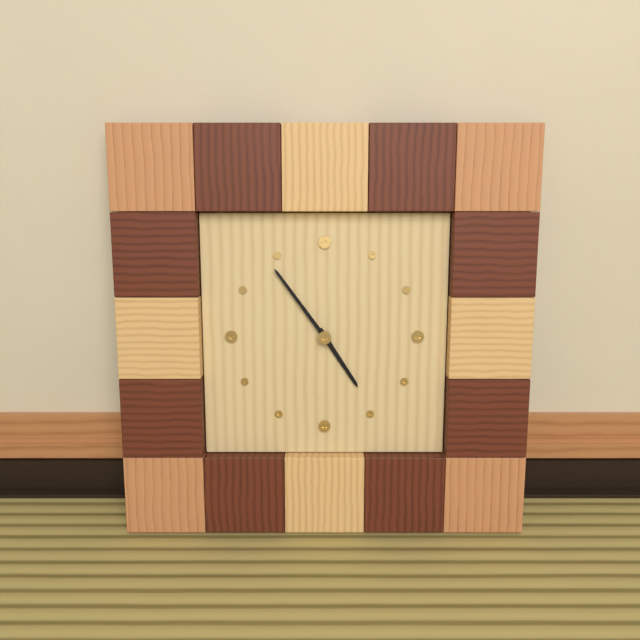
**4:54**
